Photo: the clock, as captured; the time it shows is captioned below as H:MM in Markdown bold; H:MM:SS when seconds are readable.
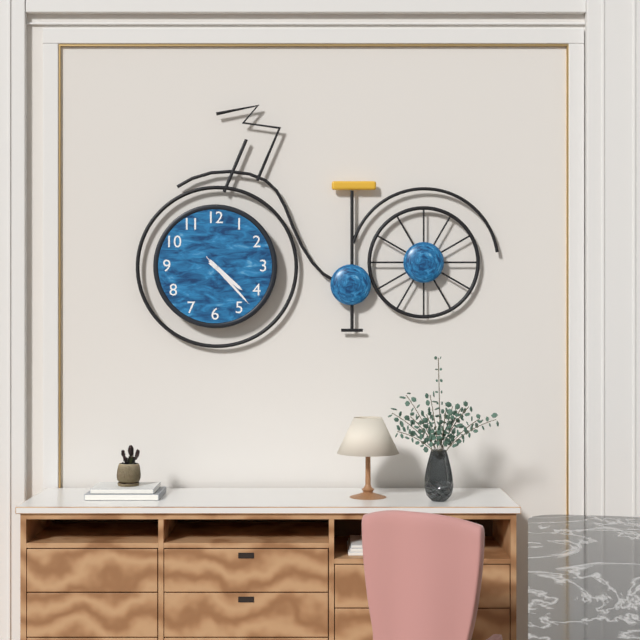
**4:23:23**
